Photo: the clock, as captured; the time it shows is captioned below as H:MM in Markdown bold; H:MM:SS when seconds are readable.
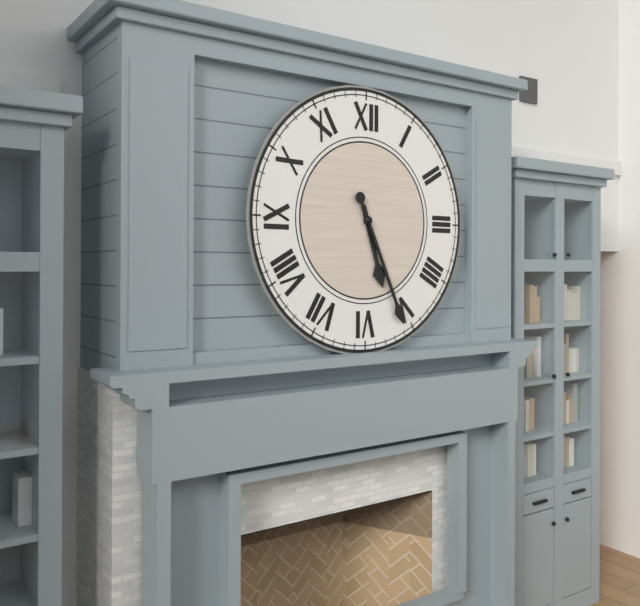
**5:26**
